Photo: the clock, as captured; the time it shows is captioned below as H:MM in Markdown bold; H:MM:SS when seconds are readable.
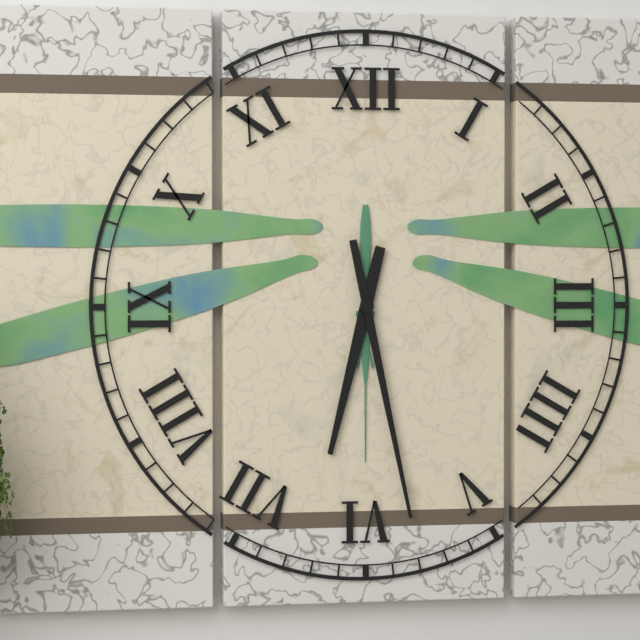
**6:28**
